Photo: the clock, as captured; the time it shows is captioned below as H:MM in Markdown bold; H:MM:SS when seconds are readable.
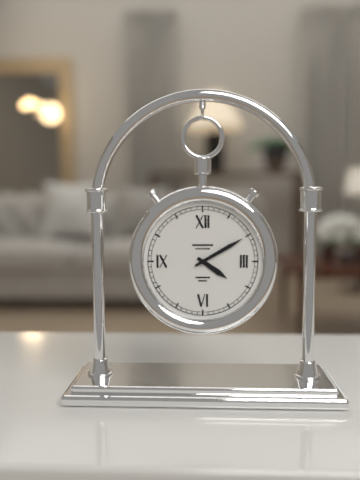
**4:10**
